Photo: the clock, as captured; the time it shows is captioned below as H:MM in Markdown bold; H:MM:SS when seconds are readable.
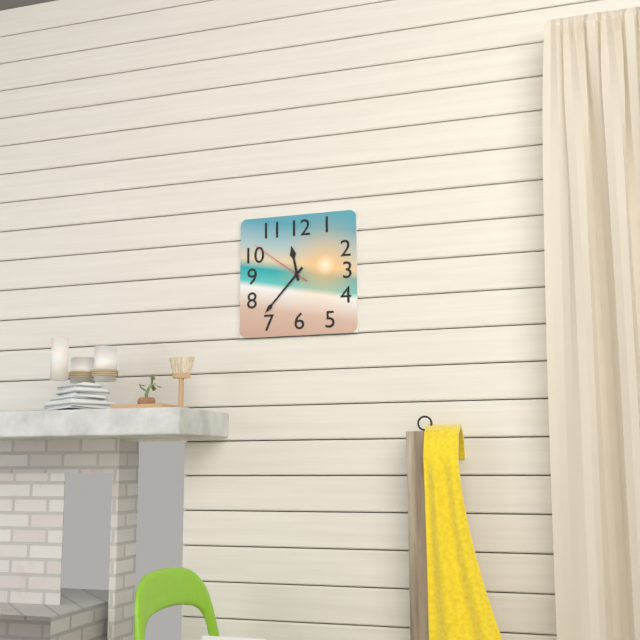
**11:37:51**
